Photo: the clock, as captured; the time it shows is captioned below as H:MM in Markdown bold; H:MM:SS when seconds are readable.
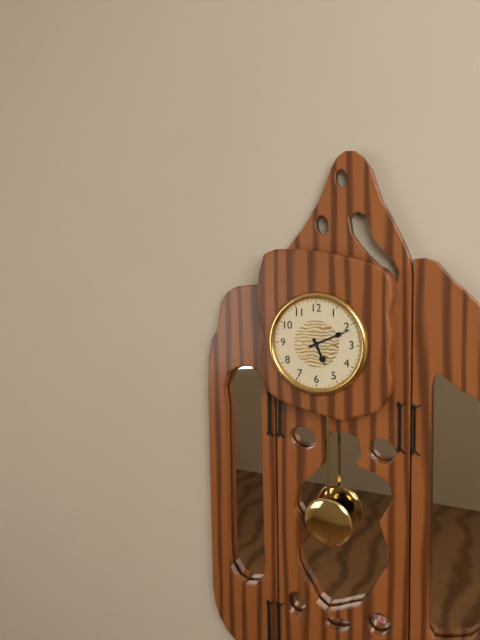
**5:11**
